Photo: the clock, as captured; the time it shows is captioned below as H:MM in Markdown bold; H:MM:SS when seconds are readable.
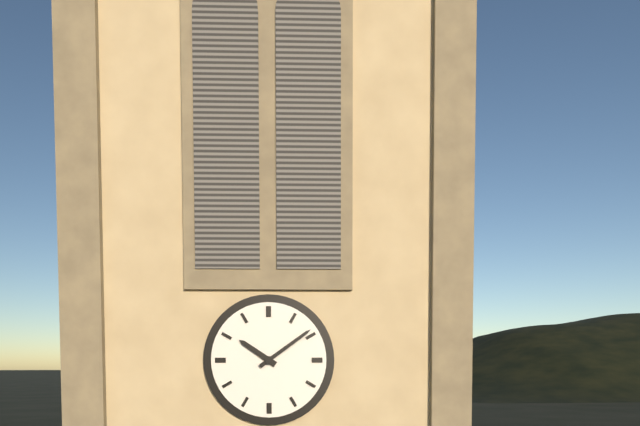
**10:09**
